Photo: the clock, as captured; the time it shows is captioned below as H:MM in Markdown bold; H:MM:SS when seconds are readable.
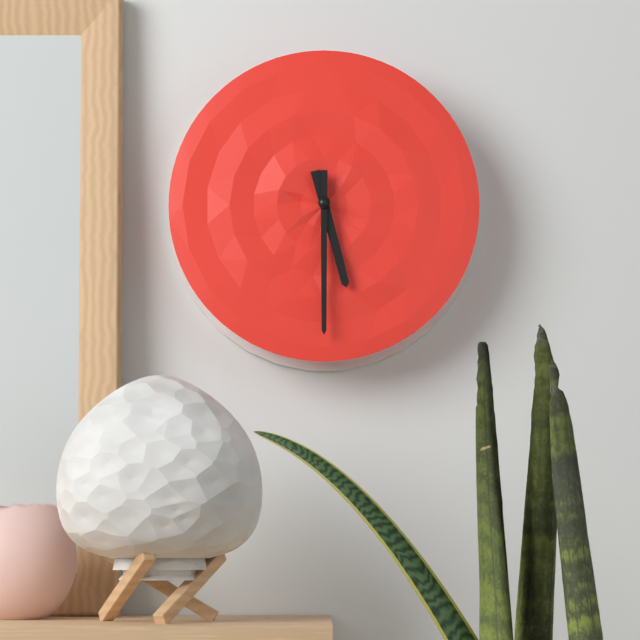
**5:30**
